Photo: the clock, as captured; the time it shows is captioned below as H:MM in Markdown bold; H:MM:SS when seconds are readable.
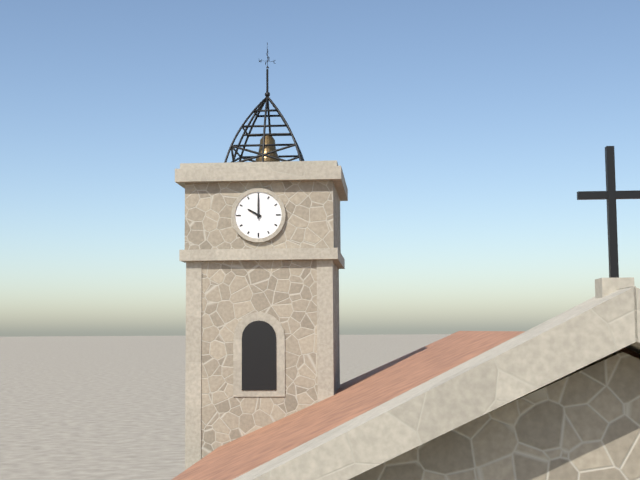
**10:00**
